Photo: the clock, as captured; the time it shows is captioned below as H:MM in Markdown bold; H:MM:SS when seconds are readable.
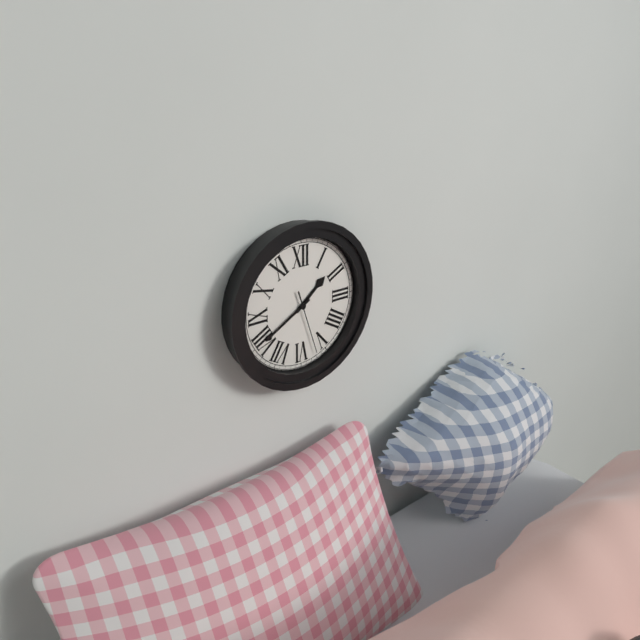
**1:40:27**
